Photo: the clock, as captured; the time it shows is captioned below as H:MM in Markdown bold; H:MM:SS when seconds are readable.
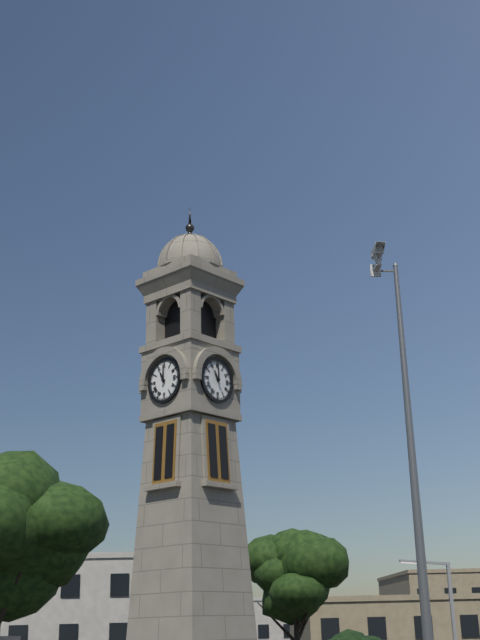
**11:00**
